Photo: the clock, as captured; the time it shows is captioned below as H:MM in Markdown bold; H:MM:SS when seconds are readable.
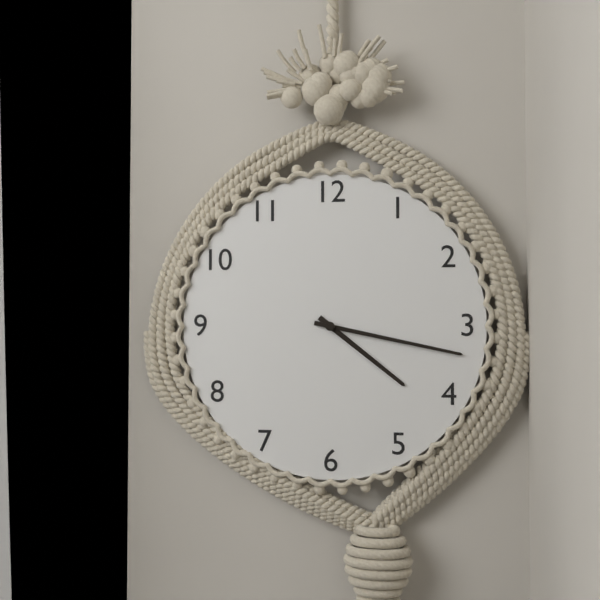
**4:17**
